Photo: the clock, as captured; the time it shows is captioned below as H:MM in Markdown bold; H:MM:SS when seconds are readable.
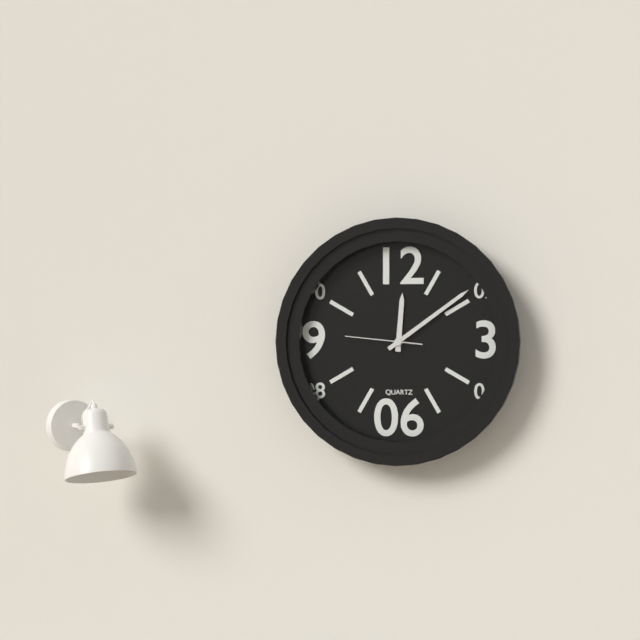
**12:09:46**
